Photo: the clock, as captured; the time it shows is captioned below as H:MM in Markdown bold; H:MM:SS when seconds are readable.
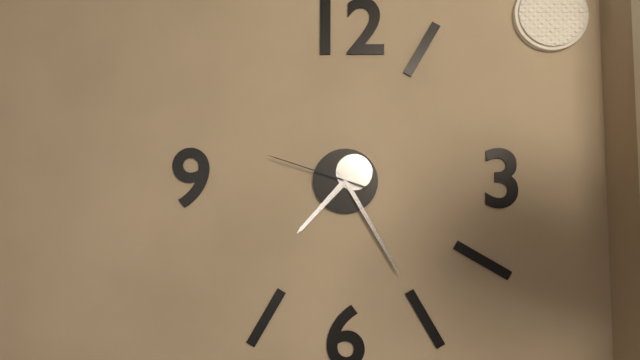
**7:25:48**
